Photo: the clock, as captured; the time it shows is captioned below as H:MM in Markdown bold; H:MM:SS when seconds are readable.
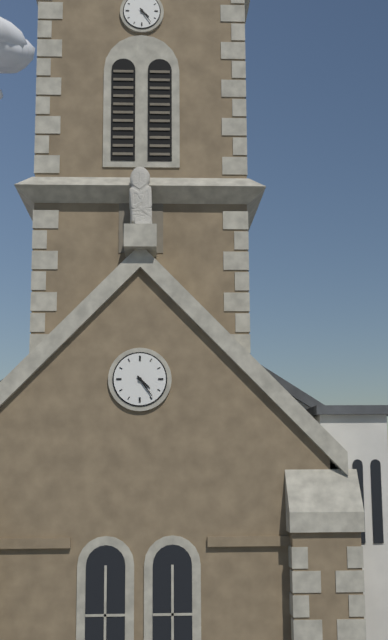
**4:24**
